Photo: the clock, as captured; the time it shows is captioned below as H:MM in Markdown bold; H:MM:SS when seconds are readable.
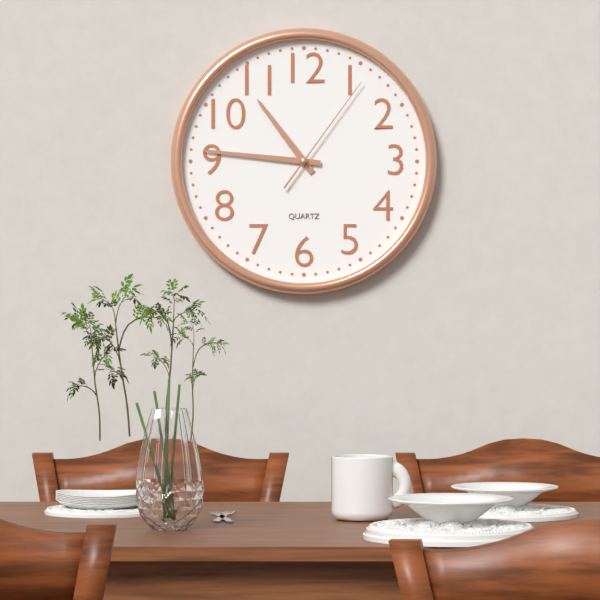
**10:46:06**
